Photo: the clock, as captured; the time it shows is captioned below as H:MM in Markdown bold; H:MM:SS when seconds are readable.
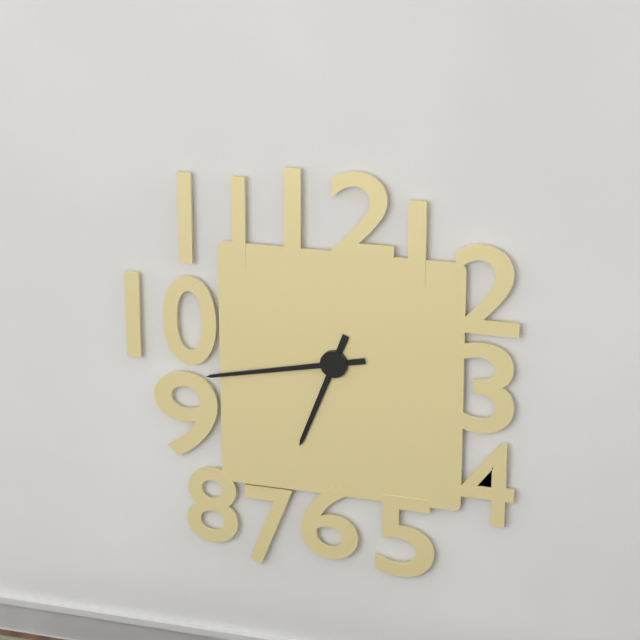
**6:43**
